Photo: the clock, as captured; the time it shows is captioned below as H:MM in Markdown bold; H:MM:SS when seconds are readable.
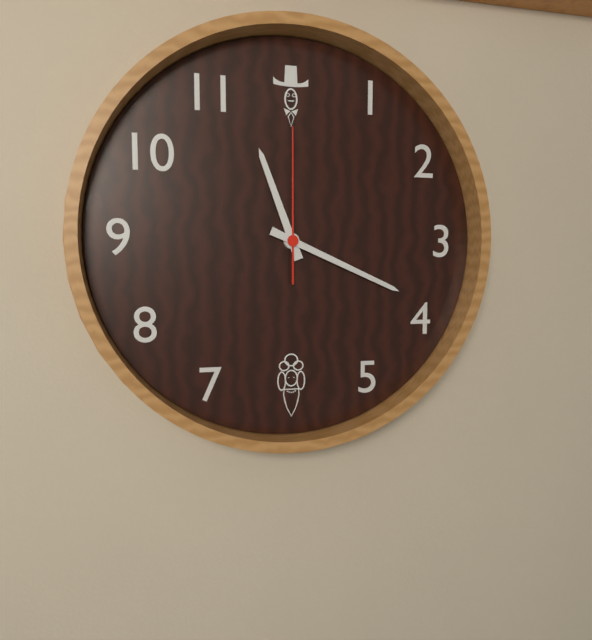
**11:19:00**
